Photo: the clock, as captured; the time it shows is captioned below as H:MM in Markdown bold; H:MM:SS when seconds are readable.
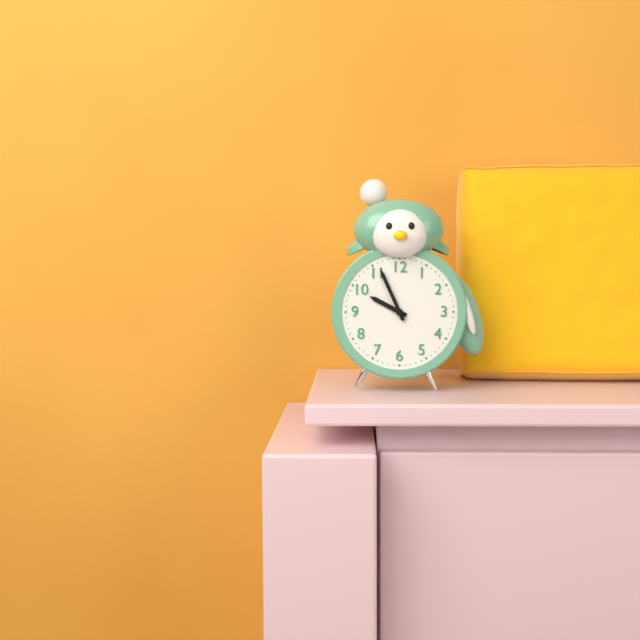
**9:56**
